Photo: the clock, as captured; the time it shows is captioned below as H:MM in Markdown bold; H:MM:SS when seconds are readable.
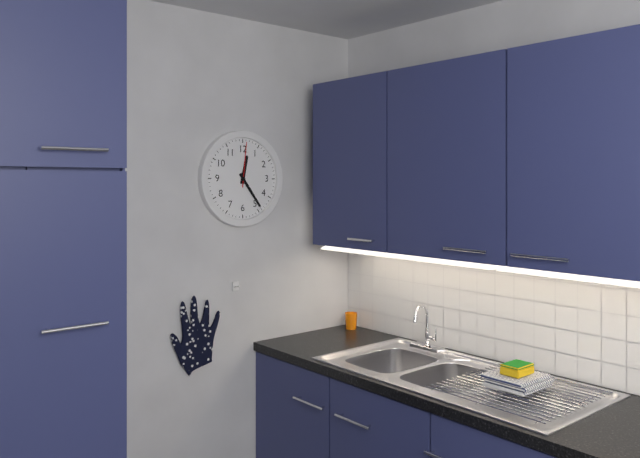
**12:24**
